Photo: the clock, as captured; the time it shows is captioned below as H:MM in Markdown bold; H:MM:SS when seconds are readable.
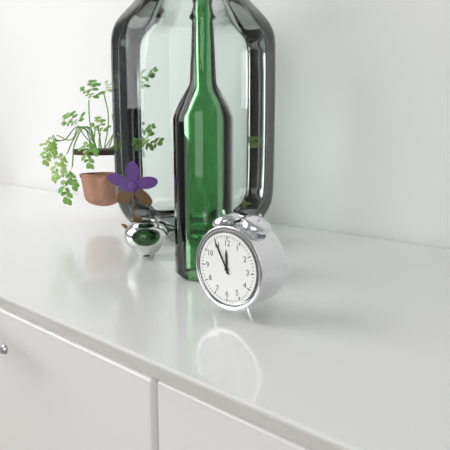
**11:55**
